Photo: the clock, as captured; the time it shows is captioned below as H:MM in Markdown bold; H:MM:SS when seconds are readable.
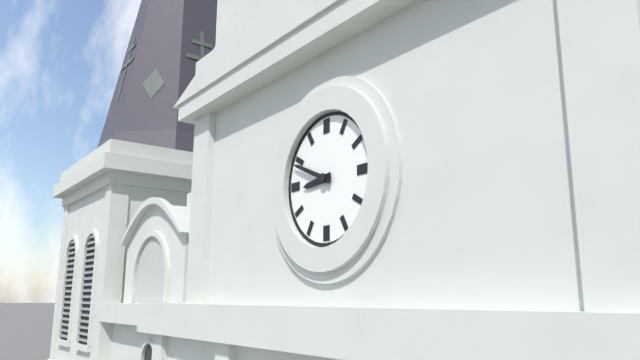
**8:49**
